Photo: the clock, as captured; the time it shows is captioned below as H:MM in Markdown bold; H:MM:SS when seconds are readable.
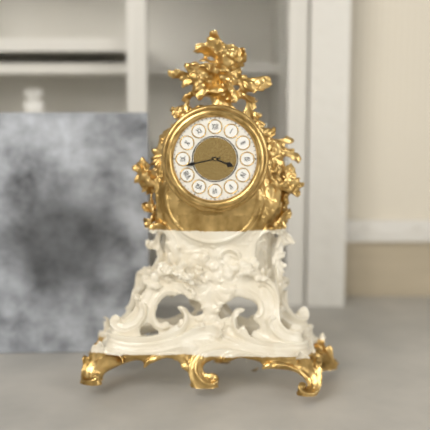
**3:43**
